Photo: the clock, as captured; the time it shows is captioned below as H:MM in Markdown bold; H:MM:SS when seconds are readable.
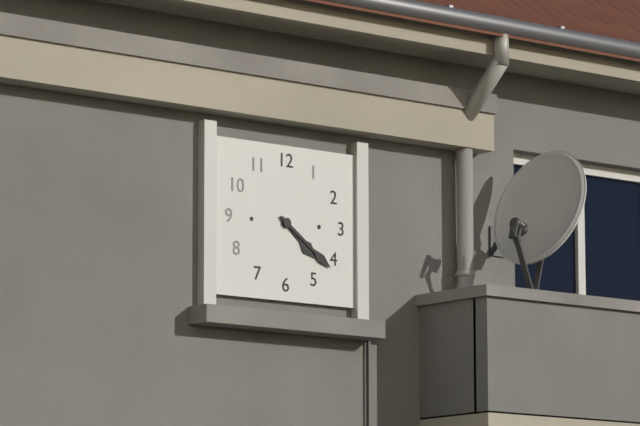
**4:21**
